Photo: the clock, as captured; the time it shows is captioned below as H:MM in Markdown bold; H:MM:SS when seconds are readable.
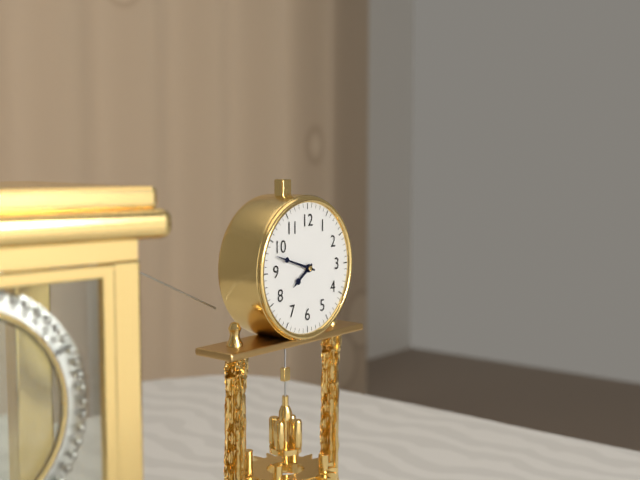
**7:48**
